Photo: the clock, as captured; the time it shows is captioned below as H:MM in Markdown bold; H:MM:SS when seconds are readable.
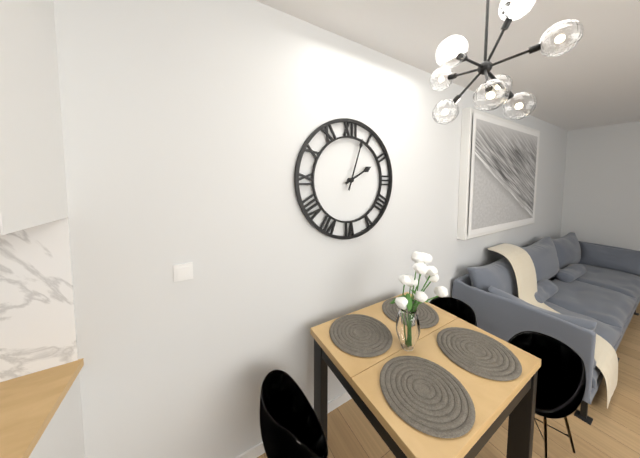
**2:03**
